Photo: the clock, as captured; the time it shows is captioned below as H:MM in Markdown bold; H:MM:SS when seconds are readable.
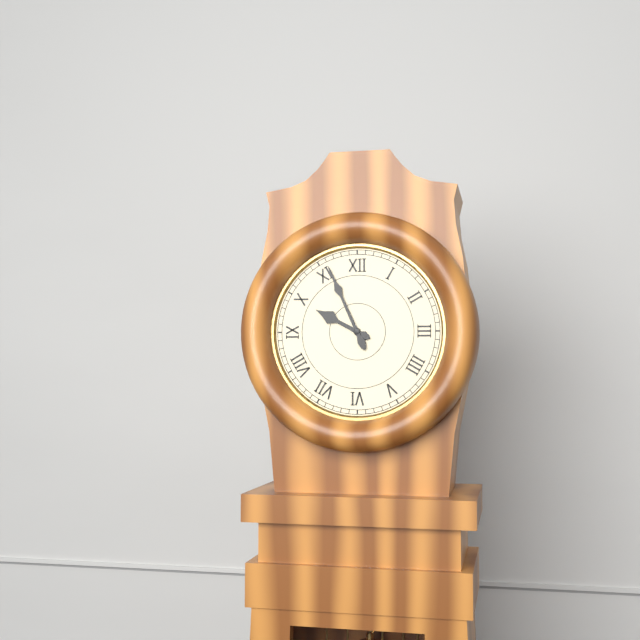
**9:56**
